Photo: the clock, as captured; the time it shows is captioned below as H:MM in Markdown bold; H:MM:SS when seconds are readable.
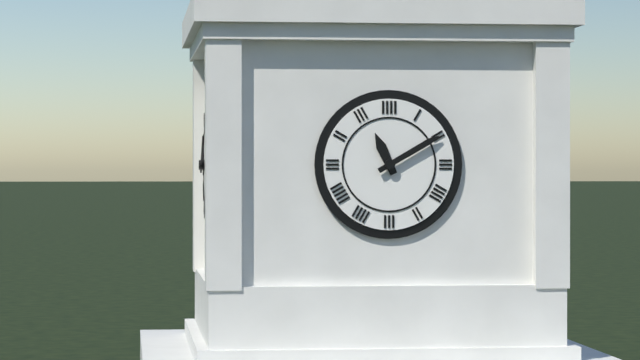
**11:10**
